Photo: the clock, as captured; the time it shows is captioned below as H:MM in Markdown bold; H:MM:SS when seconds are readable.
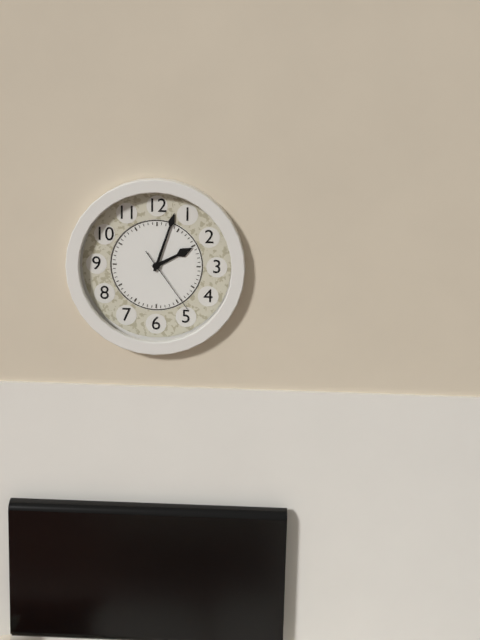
**2:03:24**
